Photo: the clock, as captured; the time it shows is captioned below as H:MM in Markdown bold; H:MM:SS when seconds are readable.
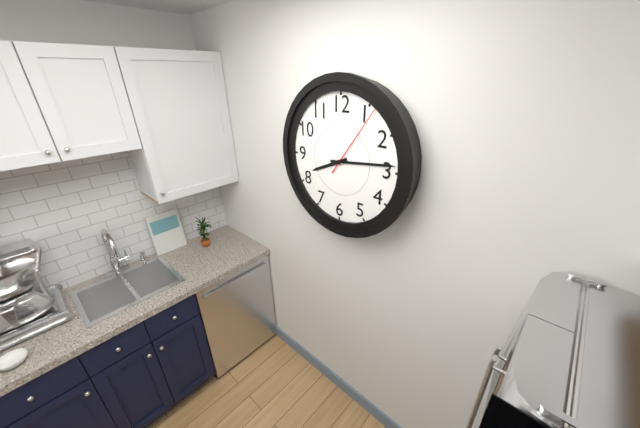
**8:14:06**
